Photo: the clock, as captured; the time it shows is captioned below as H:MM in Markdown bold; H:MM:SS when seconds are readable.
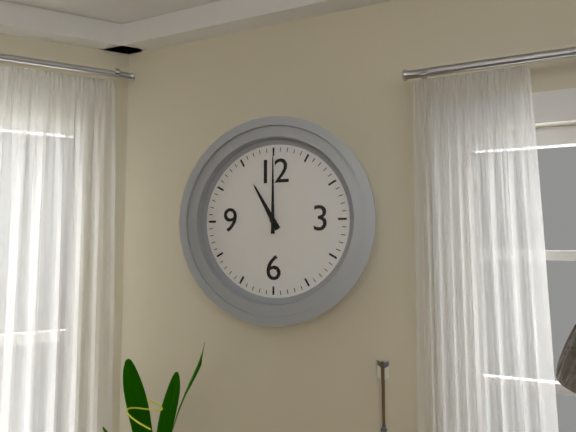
**11:00**
